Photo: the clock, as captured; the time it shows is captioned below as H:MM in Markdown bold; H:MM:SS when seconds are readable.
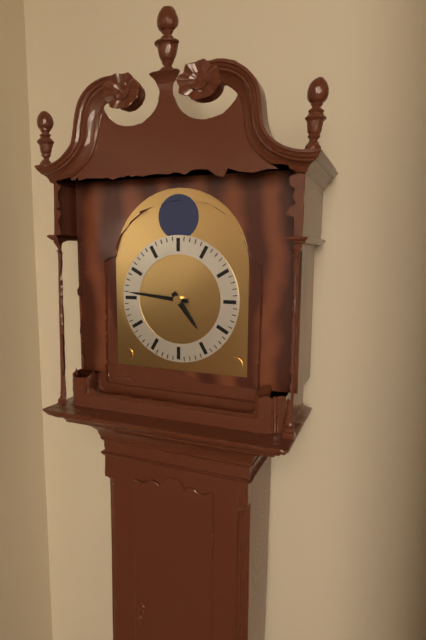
**4:46**
